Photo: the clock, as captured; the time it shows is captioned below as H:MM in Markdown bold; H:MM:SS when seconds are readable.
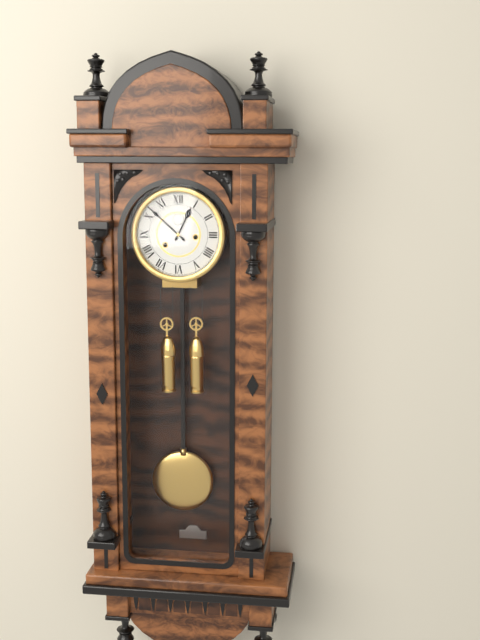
**12:52**
